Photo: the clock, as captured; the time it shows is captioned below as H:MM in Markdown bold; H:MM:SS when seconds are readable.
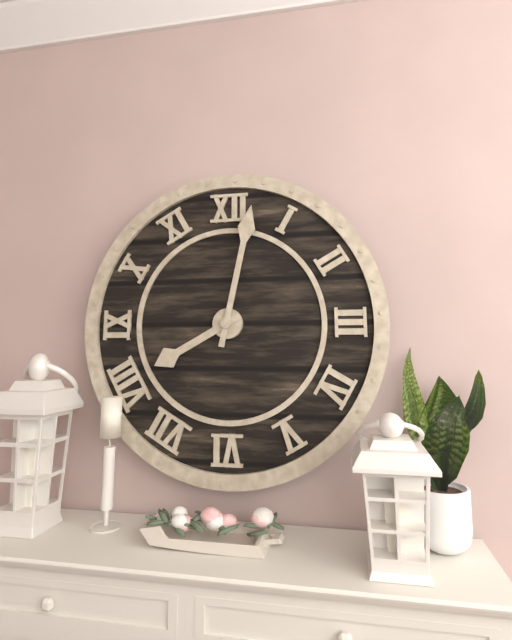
**8:02**
